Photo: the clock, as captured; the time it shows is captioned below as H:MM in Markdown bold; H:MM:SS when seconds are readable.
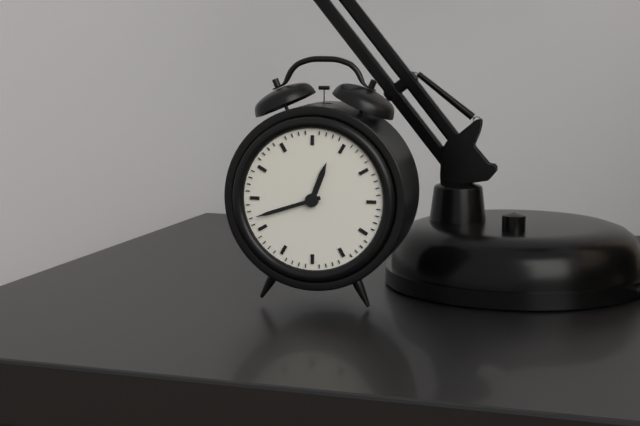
**12:42**
